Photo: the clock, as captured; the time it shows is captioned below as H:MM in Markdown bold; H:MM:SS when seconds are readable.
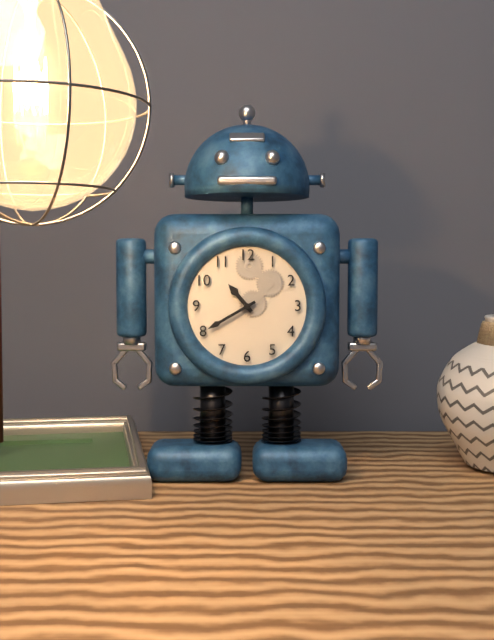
**10:40**
